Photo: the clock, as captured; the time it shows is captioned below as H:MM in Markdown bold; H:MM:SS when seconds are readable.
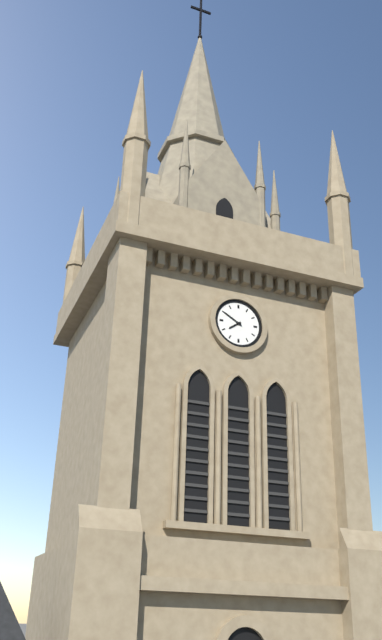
**7:50**
